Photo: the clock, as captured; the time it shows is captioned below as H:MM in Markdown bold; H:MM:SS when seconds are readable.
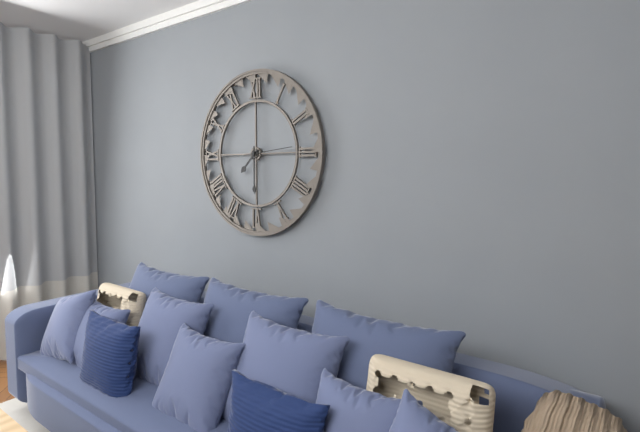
**7:30**
